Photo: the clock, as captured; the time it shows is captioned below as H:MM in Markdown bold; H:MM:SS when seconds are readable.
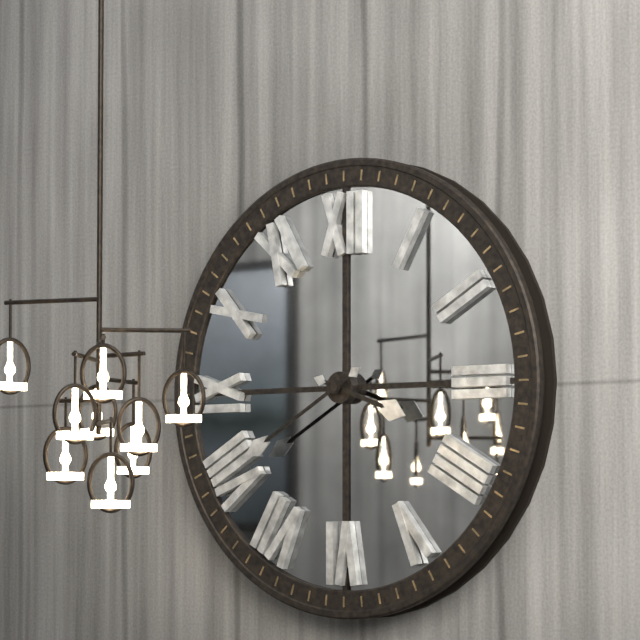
**3:40**
